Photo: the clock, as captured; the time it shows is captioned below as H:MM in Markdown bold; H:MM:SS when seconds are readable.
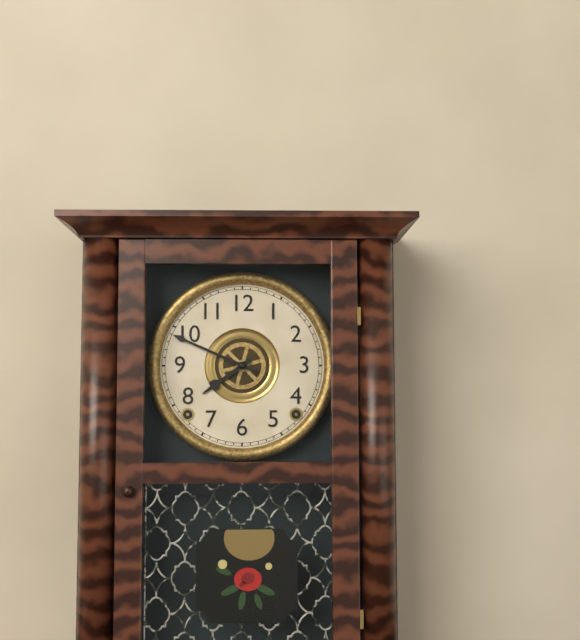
**7:49**
